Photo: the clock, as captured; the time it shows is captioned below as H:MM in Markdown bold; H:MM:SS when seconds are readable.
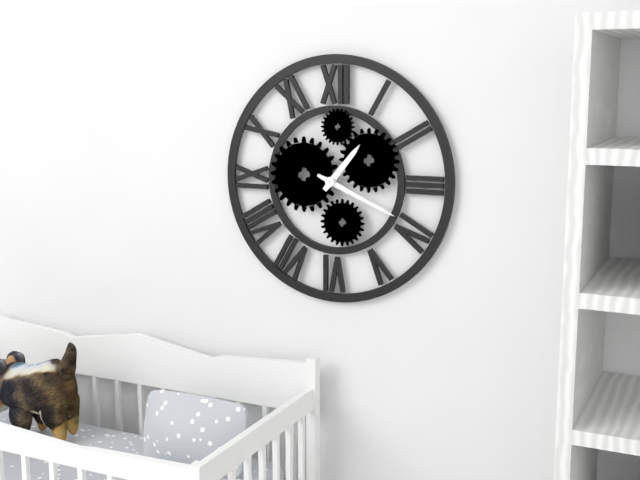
**1:19**
